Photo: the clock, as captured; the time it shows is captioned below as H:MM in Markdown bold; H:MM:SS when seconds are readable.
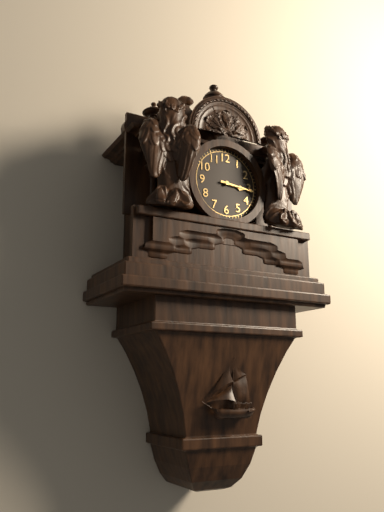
**3:16**
